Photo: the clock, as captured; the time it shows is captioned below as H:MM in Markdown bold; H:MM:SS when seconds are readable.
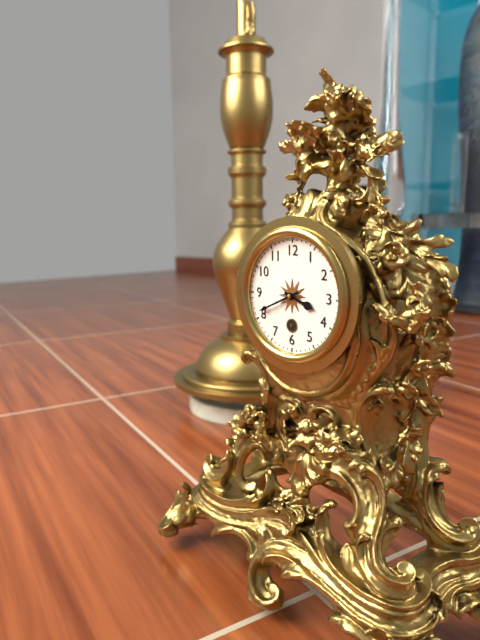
**3:41**
